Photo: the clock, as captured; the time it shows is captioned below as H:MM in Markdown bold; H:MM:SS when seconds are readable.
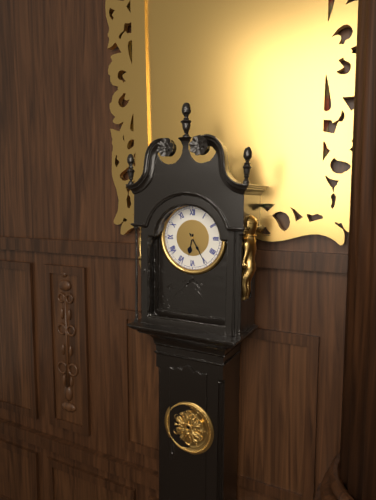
**6:25**
